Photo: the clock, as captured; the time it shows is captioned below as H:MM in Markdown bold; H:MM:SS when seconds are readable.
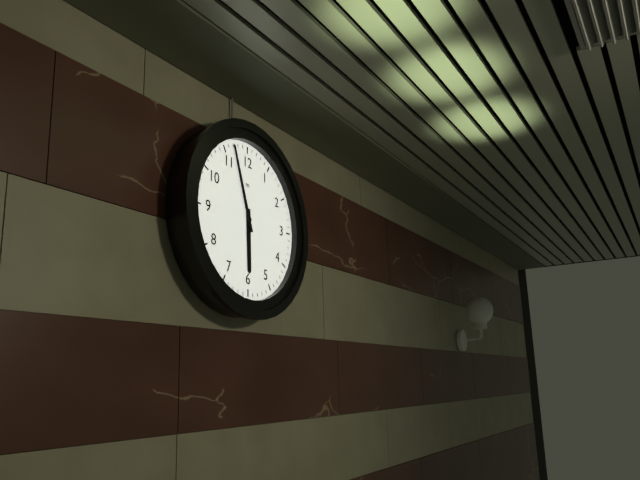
**5:57**
